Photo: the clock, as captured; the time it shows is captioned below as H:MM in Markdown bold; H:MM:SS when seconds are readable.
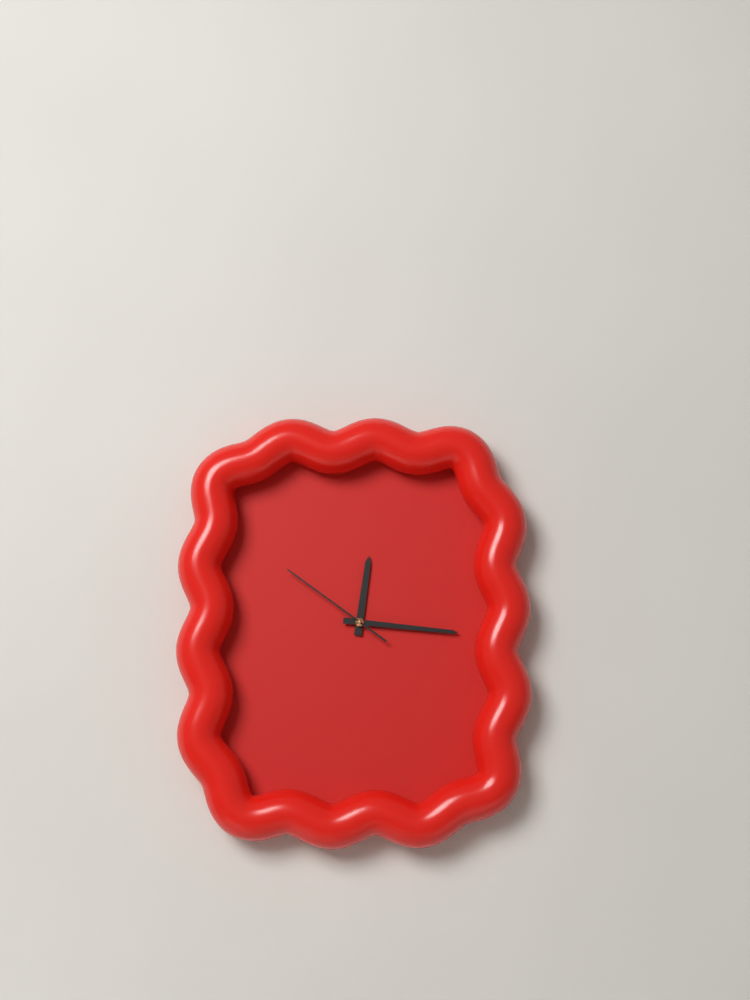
**12:16:51**
